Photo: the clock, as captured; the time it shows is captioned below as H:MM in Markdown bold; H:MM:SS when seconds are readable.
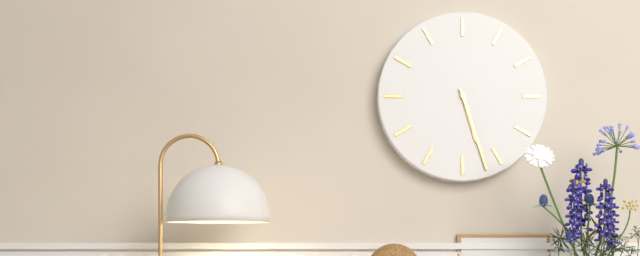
**5:27**
